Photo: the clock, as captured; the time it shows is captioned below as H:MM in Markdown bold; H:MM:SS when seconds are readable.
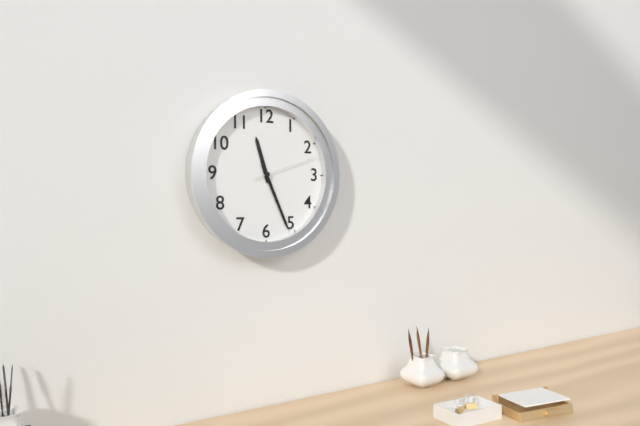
**11:26:12**
